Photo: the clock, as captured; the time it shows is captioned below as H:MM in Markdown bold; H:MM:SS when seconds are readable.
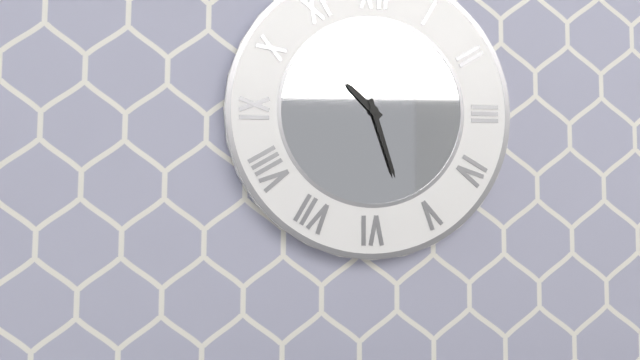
**10:27**
